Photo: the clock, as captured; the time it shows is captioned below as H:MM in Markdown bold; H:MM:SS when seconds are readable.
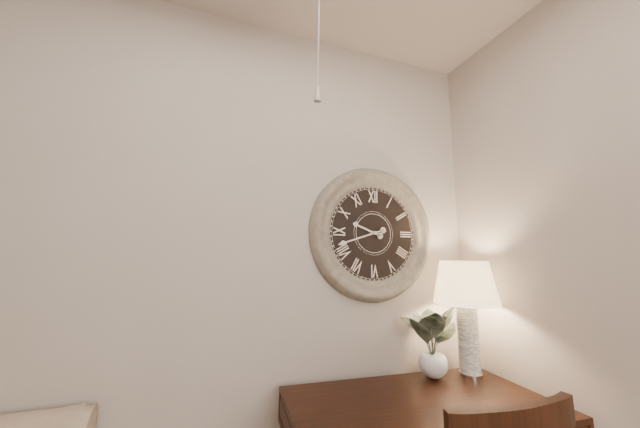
**9:42**
